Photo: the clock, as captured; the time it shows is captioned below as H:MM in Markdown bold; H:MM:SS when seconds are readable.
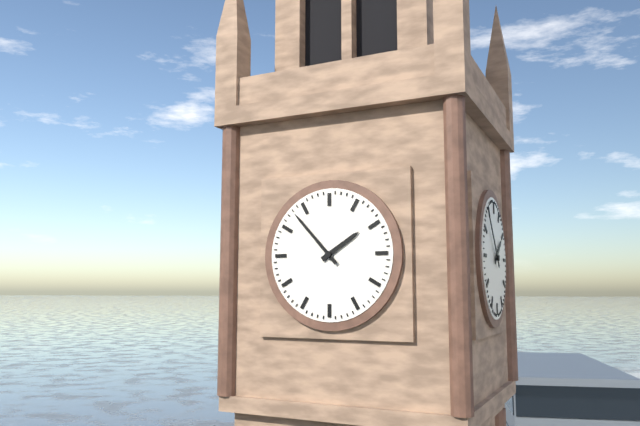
**1:53**
